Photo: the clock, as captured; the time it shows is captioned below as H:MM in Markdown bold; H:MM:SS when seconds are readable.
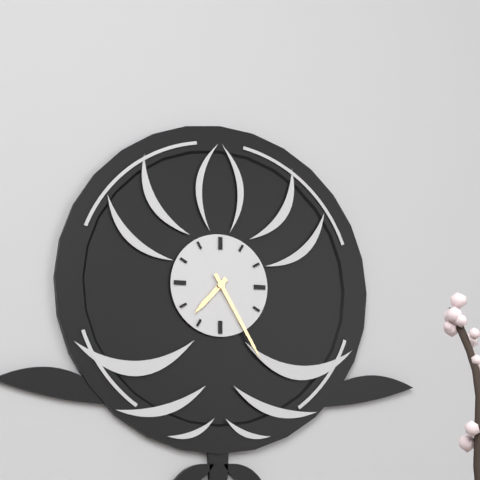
**7:25**
